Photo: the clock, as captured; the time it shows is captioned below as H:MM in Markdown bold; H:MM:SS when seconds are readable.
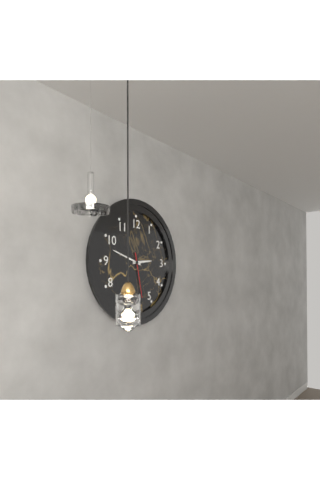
**2:48**
